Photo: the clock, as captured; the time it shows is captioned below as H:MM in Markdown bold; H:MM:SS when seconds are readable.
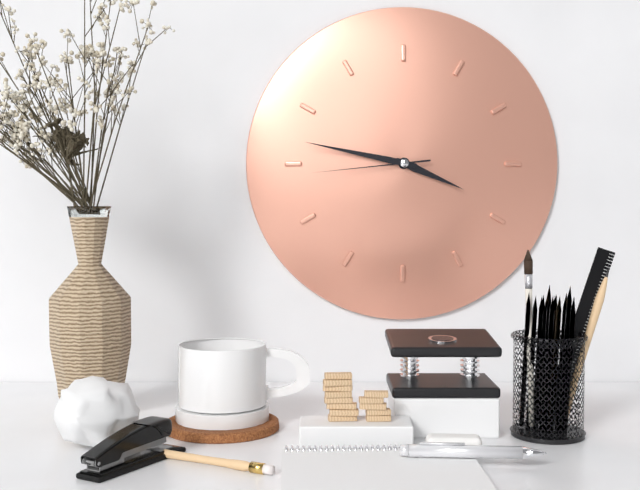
**3:47:44**
